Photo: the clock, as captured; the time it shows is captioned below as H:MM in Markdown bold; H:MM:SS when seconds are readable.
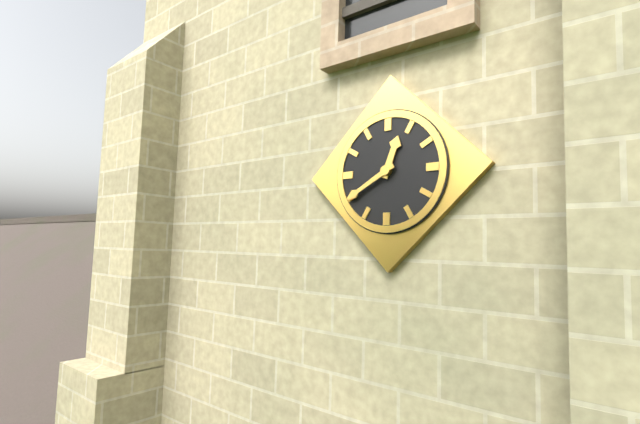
**12:40**
